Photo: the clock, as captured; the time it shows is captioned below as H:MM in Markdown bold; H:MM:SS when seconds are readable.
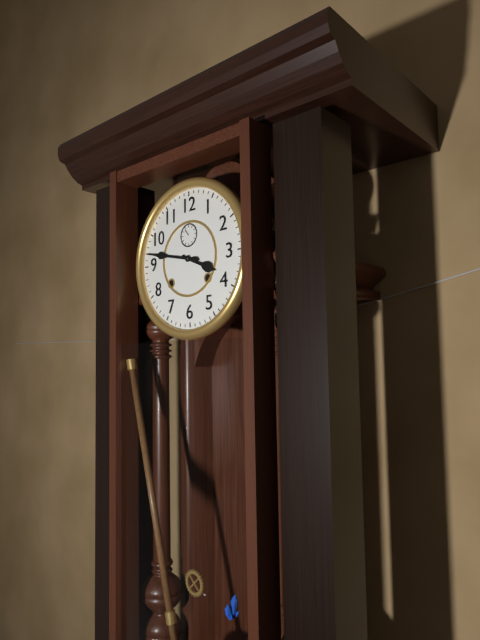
**3:47**
